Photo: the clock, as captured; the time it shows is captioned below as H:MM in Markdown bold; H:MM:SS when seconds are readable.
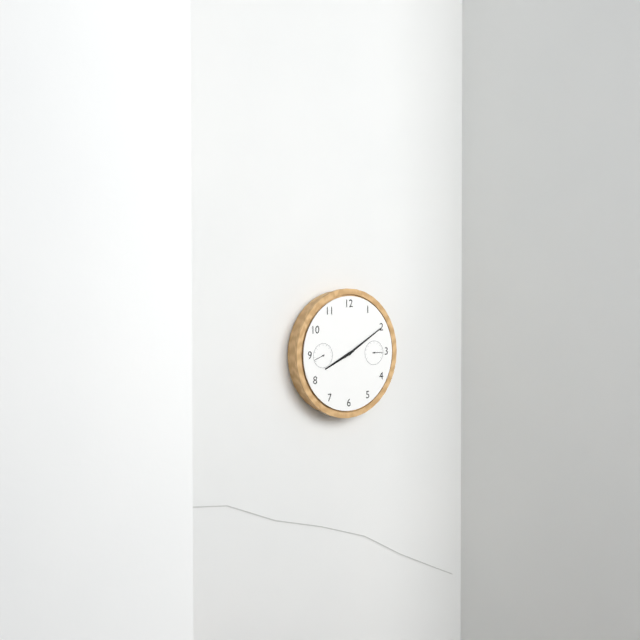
**8:10**
